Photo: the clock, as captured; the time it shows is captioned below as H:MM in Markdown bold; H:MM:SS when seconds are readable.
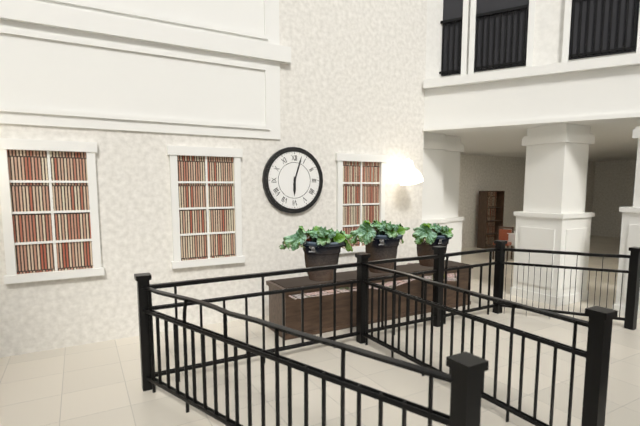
**6:03**
